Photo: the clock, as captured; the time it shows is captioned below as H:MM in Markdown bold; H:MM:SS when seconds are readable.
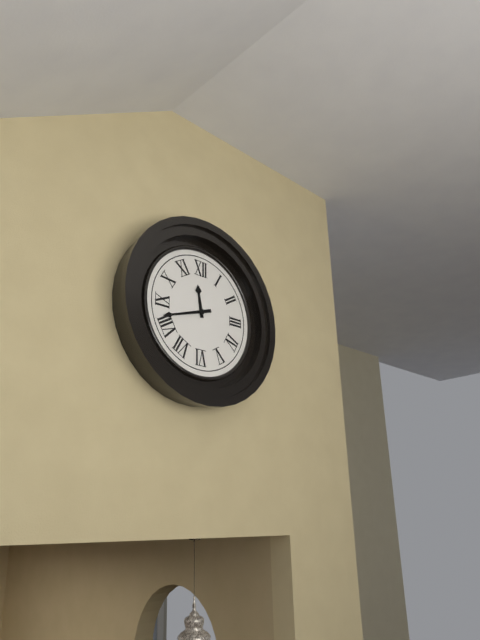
**11:42**
